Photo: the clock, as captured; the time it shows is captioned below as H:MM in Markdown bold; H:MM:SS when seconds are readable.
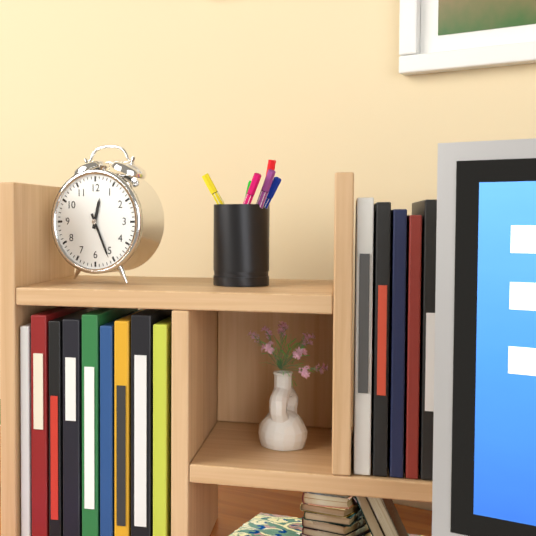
**12:26**
